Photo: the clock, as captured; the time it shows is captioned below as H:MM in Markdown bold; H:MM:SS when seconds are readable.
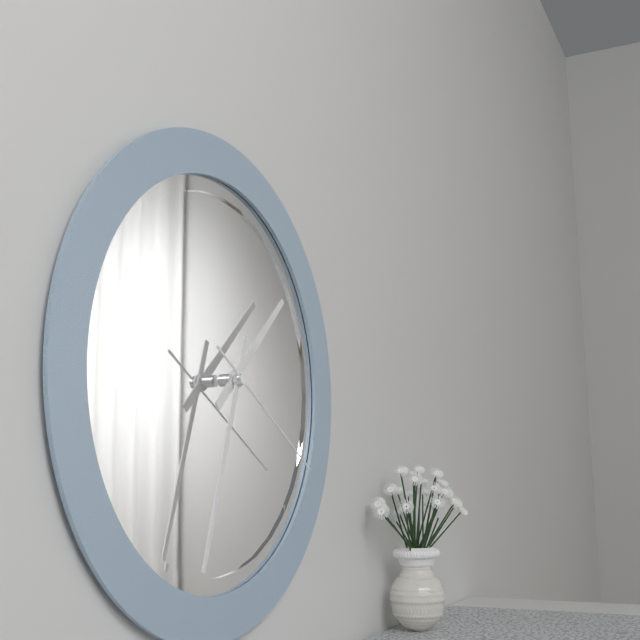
**1:33:20**
